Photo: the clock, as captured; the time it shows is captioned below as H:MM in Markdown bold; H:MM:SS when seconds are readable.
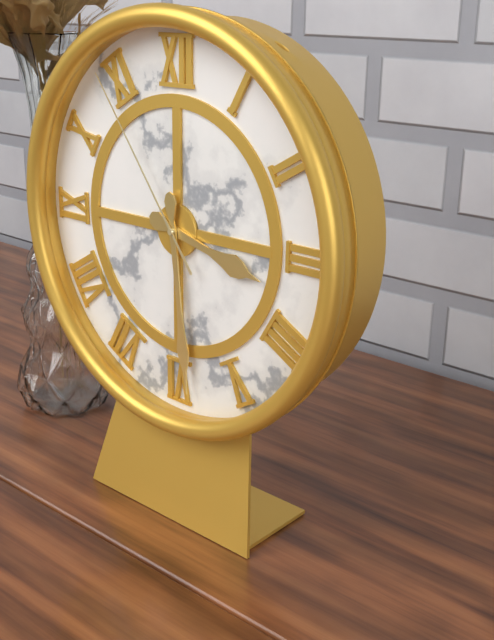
**3:29:54**
